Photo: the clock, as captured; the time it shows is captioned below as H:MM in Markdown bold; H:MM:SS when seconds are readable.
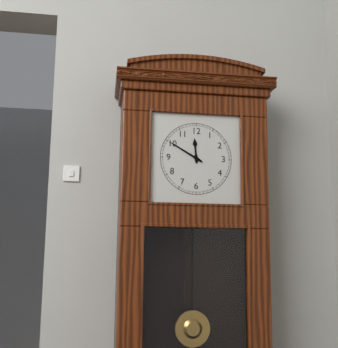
**11:50**
